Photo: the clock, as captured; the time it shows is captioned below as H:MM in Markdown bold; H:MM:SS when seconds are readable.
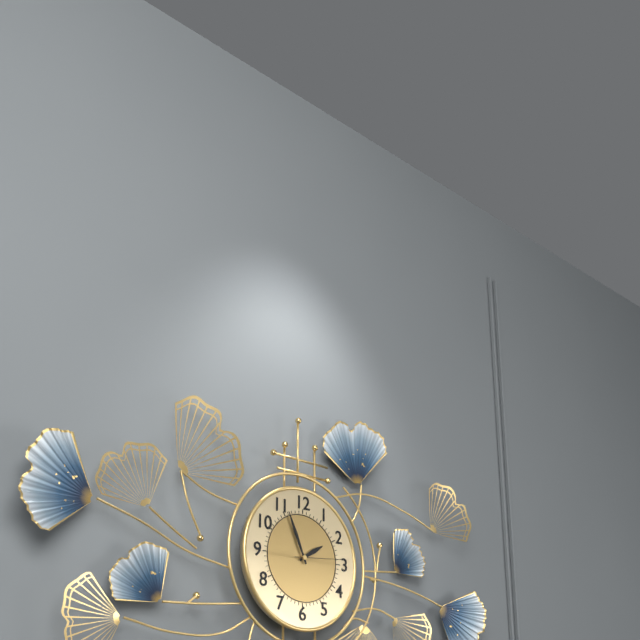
**1:56**
